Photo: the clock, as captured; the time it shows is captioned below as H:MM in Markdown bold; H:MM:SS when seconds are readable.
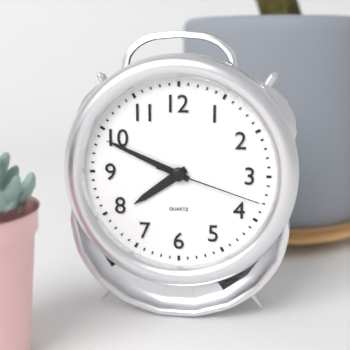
**7:49:18**
